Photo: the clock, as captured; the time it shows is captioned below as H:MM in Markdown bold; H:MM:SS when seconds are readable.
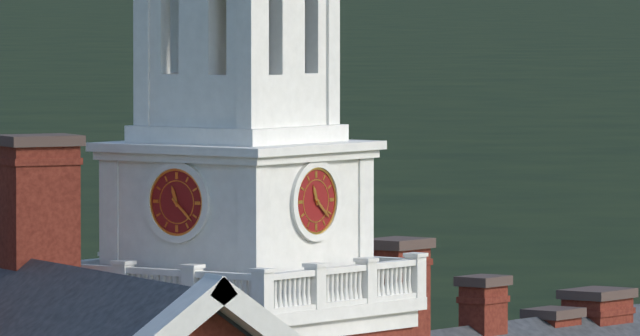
**11:22**
